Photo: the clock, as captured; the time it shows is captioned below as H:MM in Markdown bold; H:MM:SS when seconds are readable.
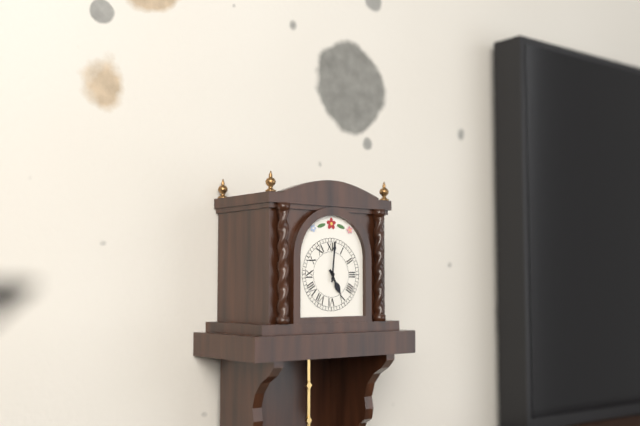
**5:01**
